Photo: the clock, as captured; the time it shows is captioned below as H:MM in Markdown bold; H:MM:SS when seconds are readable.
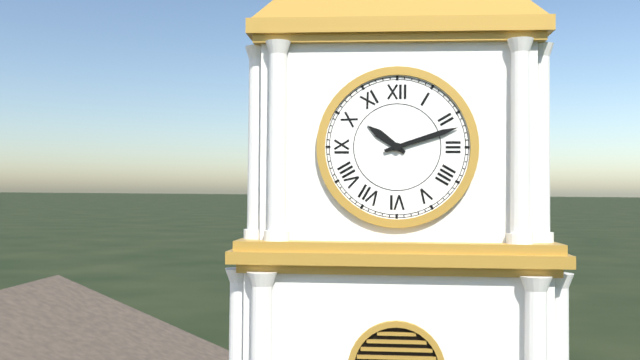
**10:12**
